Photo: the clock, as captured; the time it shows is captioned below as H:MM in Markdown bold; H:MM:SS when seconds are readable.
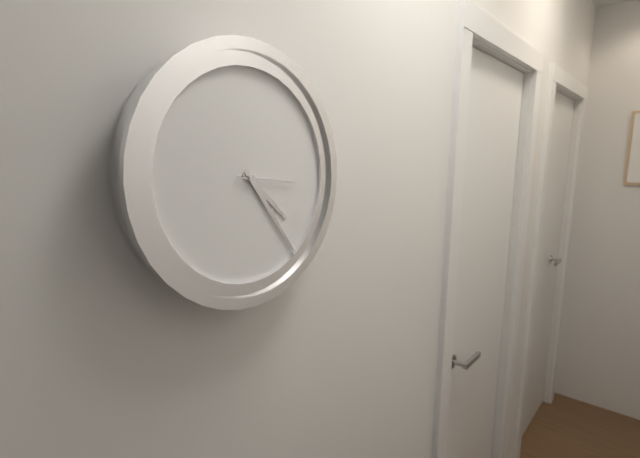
**4:24:16**
